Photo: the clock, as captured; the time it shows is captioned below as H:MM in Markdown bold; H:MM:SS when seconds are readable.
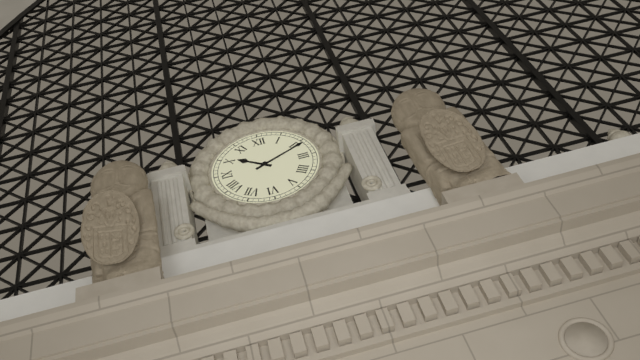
**10:11**
